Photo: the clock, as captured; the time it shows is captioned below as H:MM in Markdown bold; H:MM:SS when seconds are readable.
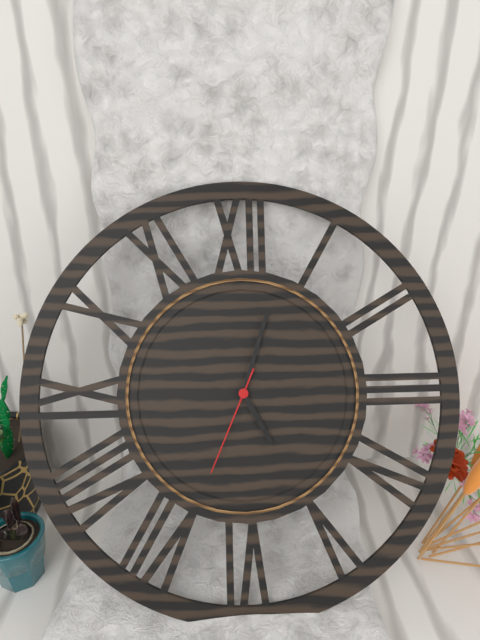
**5:03:34**
